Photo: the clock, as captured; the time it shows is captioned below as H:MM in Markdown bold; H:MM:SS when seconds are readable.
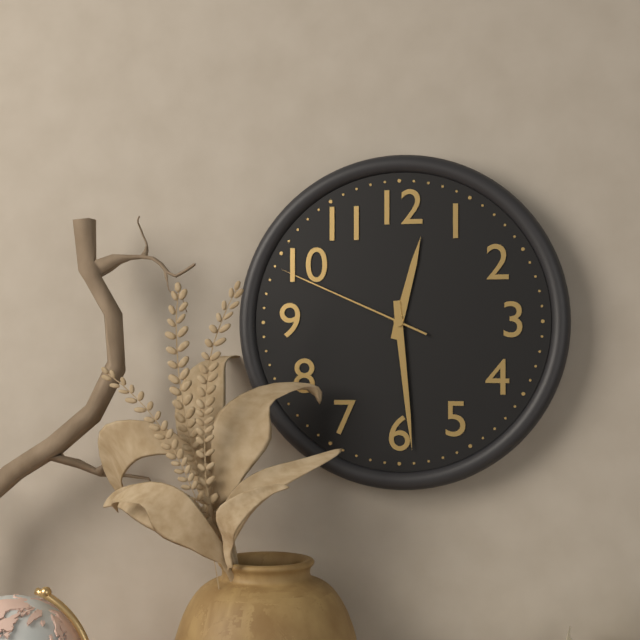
**12:29:49**
